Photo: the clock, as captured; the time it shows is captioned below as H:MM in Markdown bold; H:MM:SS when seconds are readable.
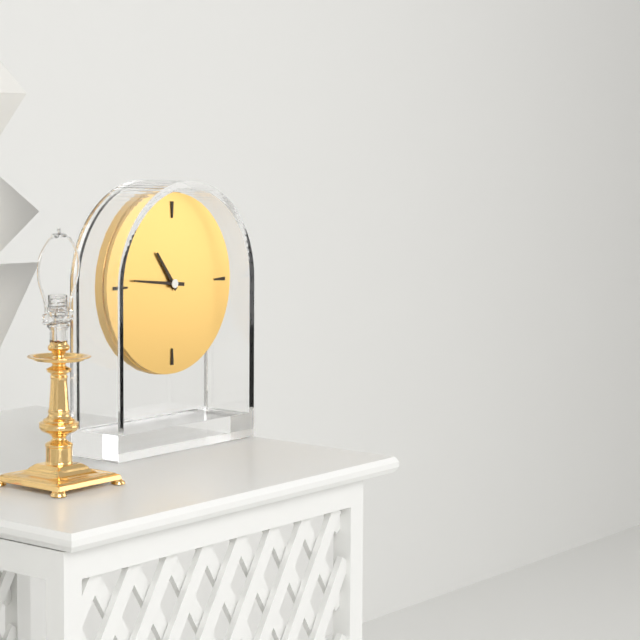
**10:46**
